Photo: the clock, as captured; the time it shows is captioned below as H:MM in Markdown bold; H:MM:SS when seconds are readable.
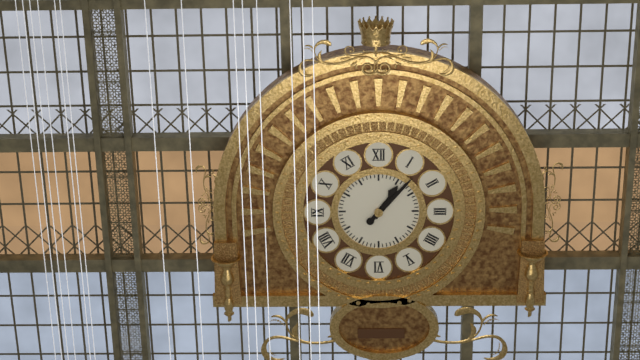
**1:07**
